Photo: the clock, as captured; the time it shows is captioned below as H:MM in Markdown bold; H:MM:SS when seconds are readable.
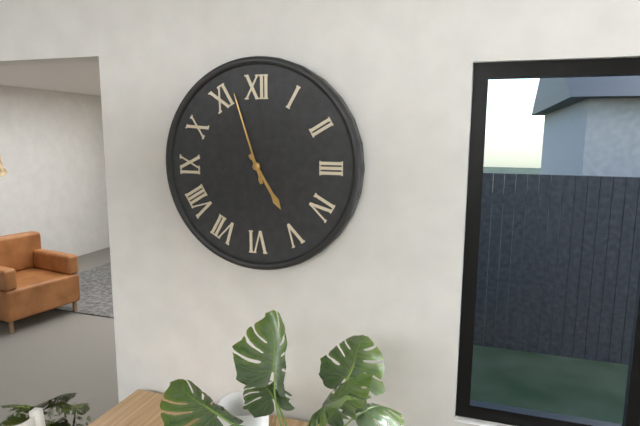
**4:57**
